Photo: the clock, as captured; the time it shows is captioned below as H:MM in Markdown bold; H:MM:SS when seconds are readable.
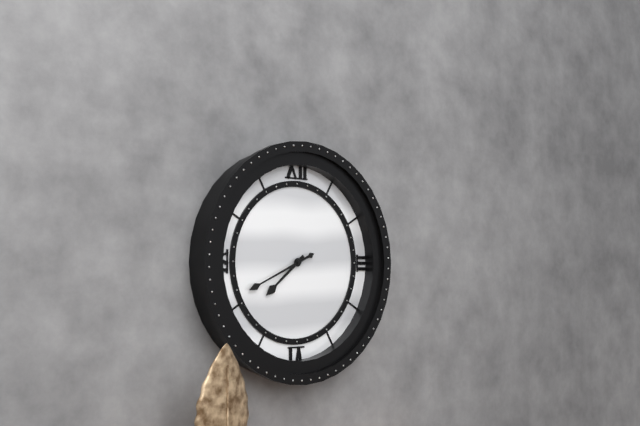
**7:41**
